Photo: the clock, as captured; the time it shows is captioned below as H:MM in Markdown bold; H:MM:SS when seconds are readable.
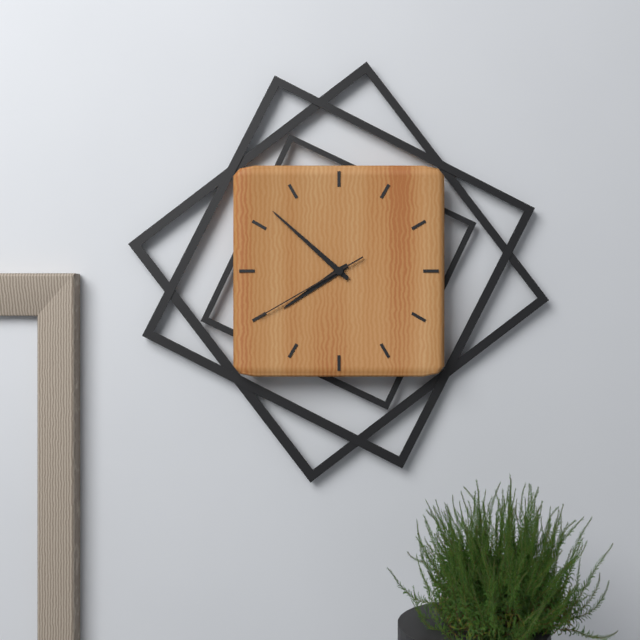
**7:52:40**
